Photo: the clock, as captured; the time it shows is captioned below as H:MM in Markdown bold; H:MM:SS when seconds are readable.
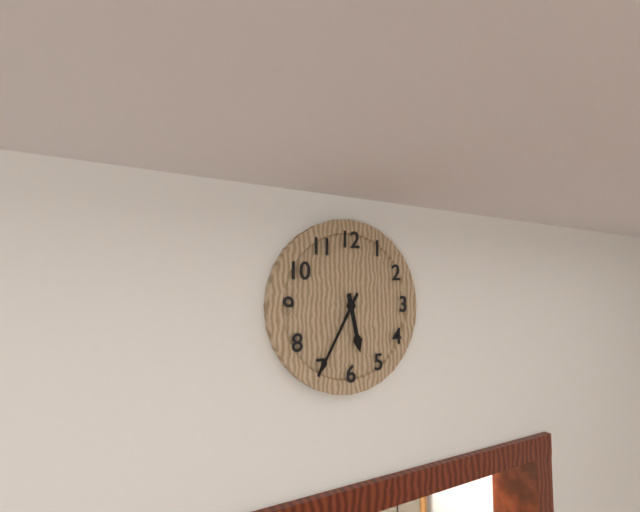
**5:35**
